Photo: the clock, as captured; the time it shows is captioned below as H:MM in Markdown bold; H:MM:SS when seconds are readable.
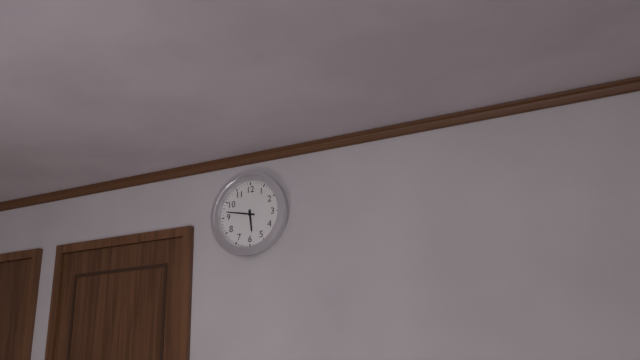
**5:47**
